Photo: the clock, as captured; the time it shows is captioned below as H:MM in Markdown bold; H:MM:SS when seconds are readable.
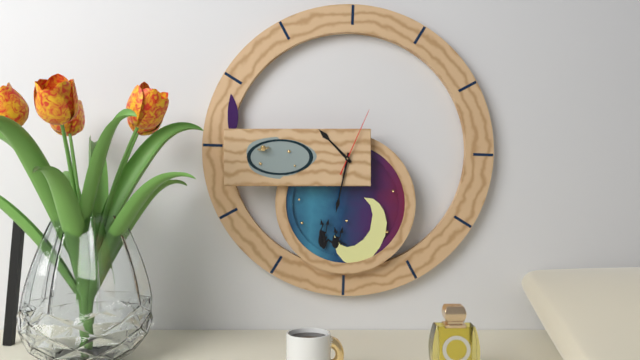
**10:32:04**
